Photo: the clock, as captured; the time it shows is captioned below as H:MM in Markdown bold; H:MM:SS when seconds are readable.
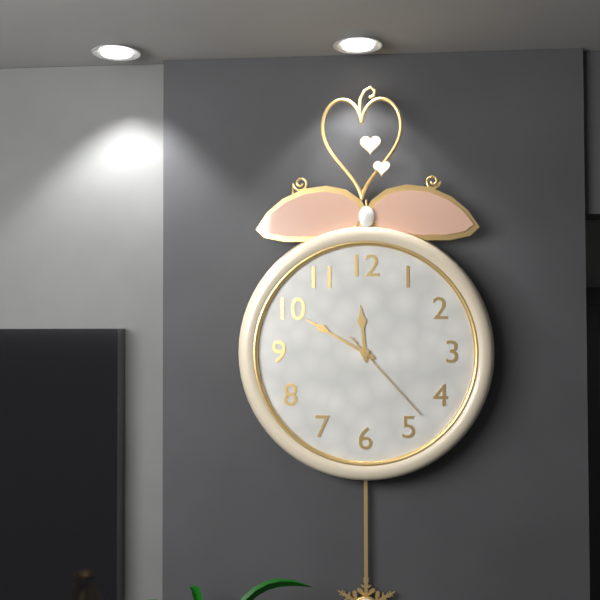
**11:50:23**
